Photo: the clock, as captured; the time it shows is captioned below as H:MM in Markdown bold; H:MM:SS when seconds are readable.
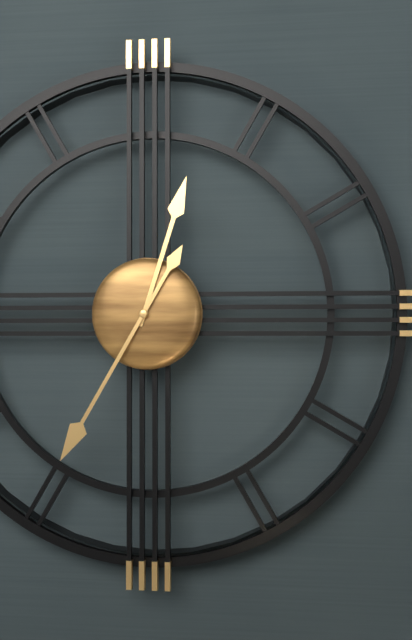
**12:35**
